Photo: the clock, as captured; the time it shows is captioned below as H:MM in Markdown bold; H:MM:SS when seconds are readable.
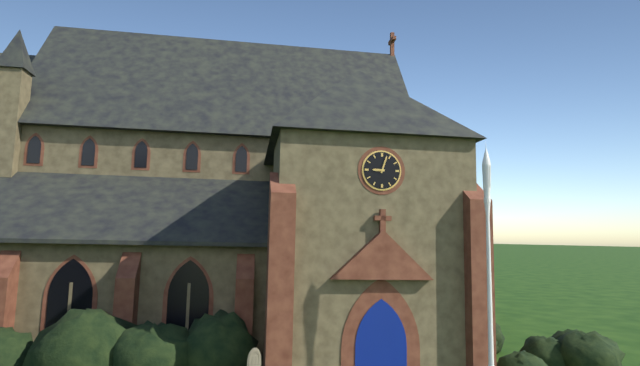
**9:03**
